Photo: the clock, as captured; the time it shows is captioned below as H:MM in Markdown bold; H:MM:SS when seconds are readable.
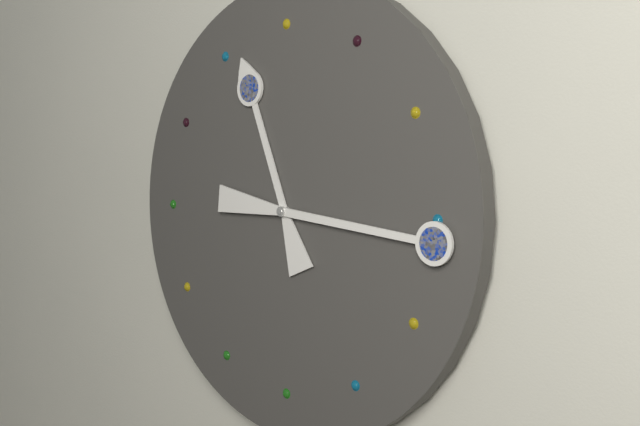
**11:16**
